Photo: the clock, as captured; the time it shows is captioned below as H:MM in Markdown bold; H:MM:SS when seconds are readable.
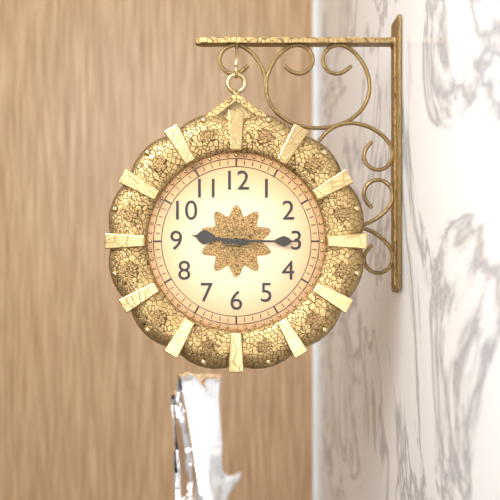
**9:15**
